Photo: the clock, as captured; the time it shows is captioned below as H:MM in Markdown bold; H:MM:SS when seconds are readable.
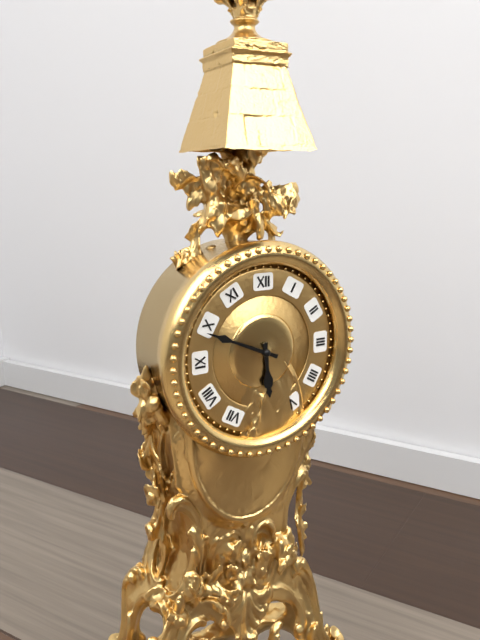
**5:49**
